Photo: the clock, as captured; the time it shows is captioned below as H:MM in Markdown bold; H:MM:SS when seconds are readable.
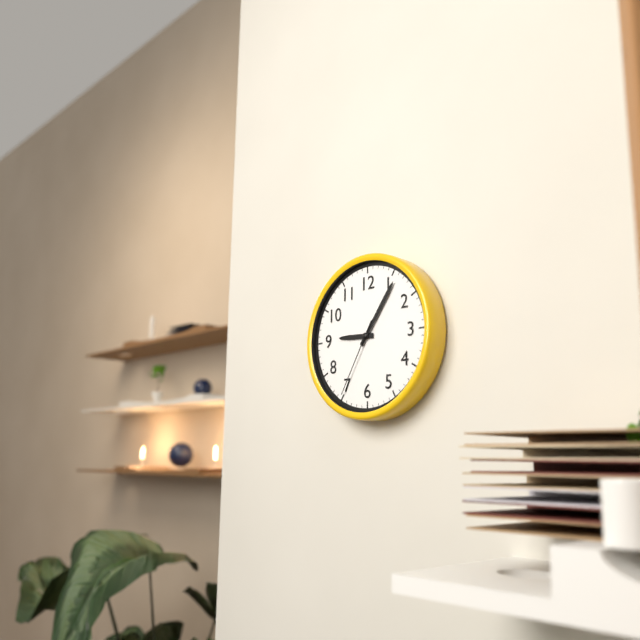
**9:06:35**
